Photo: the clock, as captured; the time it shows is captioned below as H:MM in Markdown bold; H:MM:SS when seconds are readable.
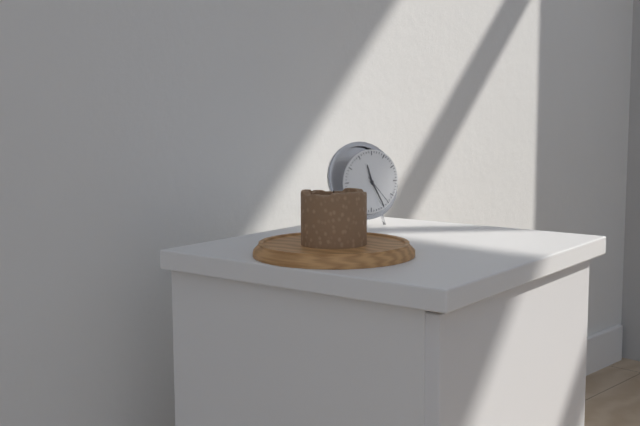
**11:25**
